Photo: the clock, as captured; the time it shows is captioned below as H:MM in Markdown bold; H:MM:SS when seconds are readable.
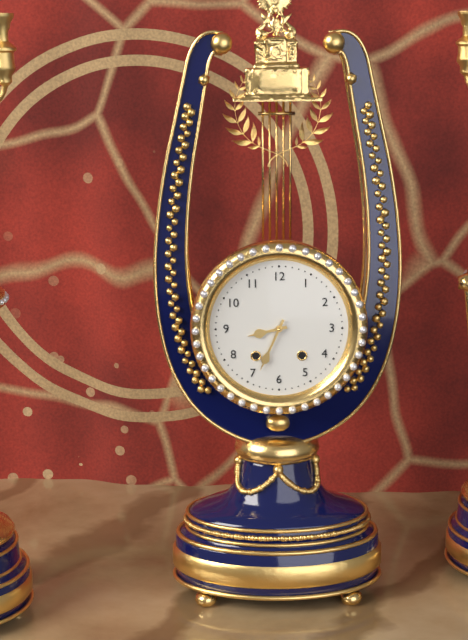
**8:34**
